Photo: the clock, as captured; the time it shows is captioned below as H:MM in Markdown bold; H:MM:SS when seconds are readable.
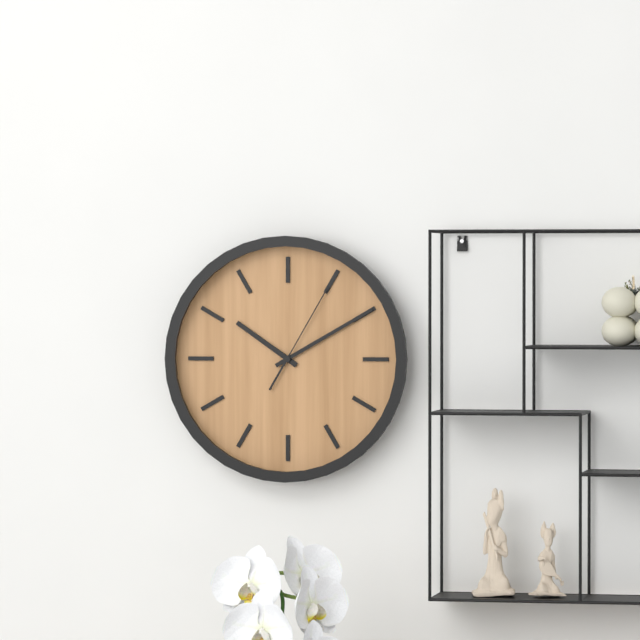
**10:10:05**
